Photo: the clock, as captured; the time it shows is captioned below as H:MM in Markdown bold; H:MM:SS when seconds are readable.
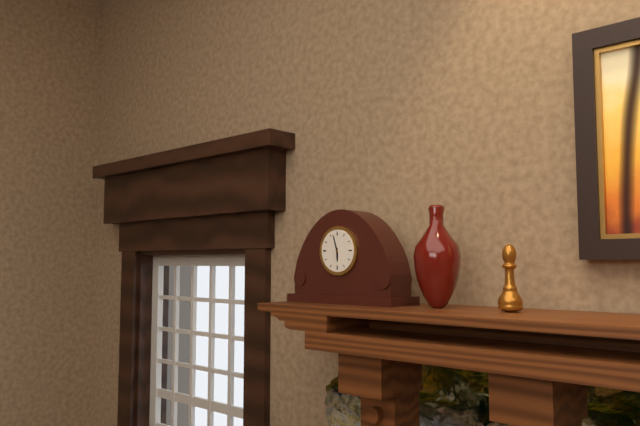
**5:57**
